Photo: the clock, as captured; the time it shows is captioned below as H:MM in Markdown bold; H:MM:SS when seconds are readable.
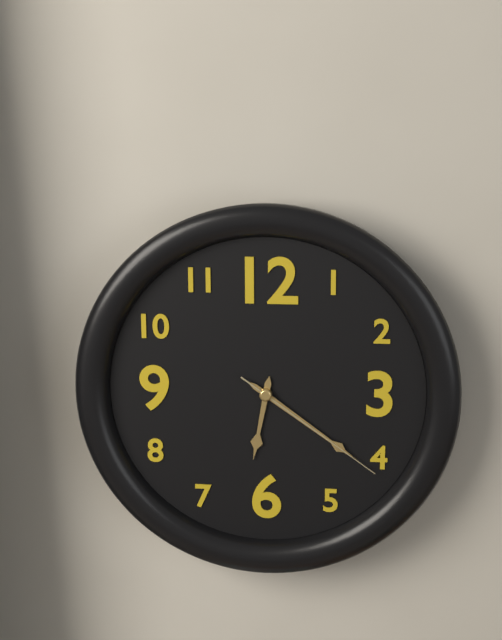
**6:21:21**
